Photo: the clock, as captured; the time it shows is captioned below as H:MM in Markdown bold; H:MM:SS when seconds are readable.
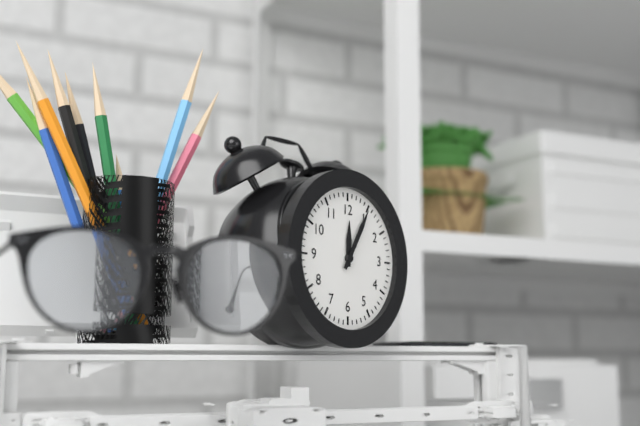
**12:05**
